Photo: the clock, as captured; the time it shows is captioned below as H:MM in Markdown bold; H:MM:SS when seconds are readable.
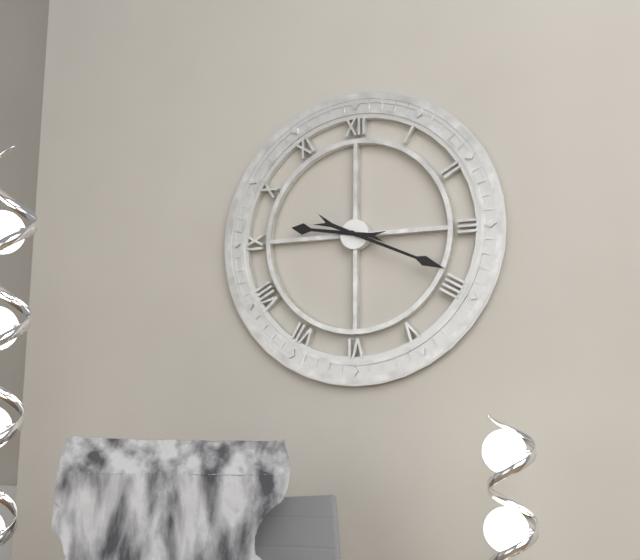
**9:19**
